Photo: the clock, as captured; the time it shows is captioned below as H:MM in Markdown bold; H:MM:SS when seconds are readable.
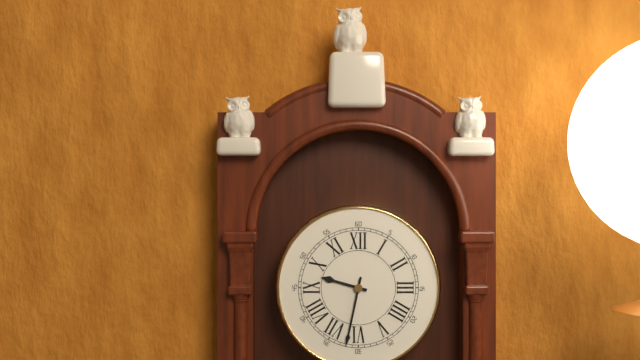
**9:32**
